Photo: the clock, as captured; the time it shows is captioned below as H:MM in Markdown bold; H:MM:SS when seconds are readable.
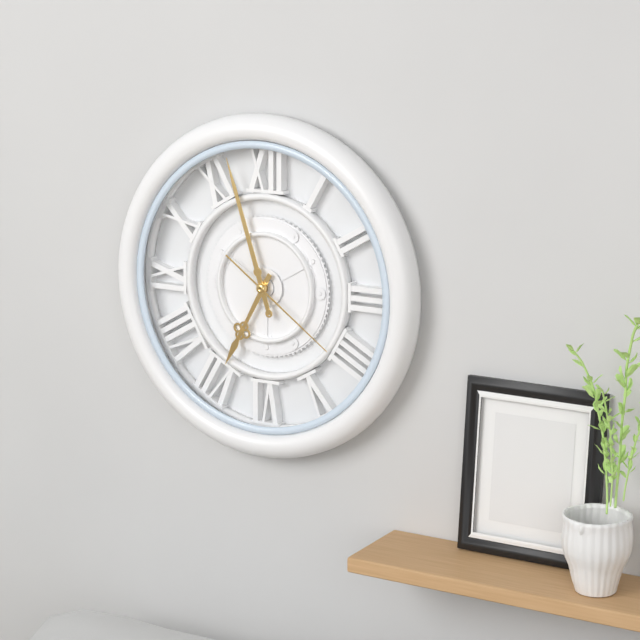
**6:57:21**
